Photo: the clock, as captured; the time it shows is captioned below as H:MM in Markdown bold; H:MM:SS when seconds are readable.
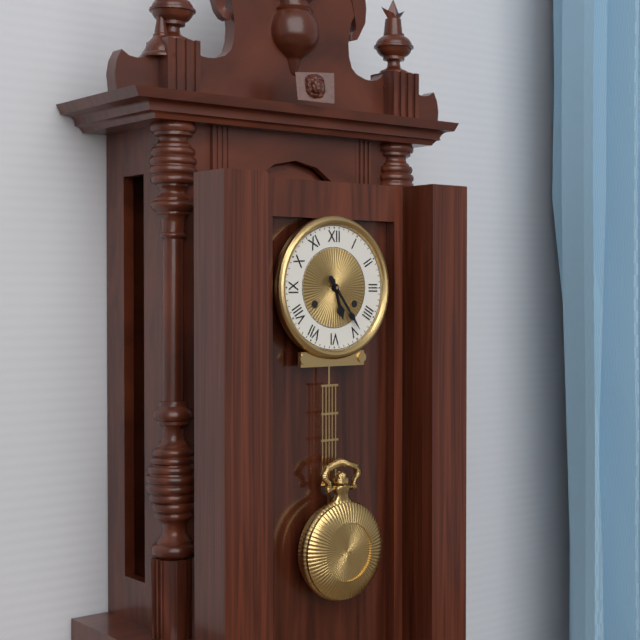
**5:24**
